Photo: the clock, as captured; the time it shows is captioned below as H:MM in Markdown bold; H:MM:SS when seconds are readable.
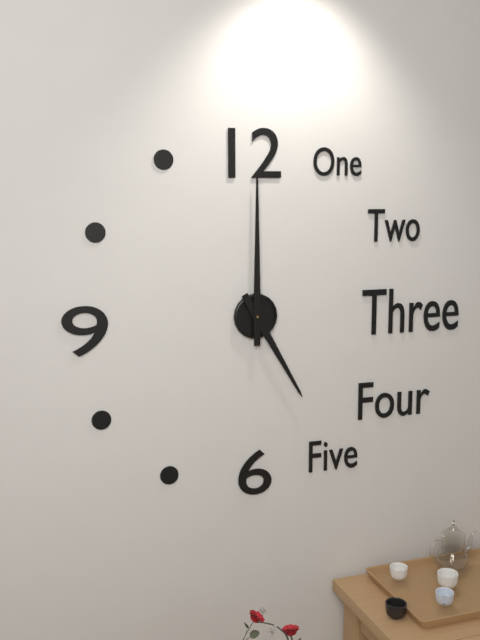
**5:00**
